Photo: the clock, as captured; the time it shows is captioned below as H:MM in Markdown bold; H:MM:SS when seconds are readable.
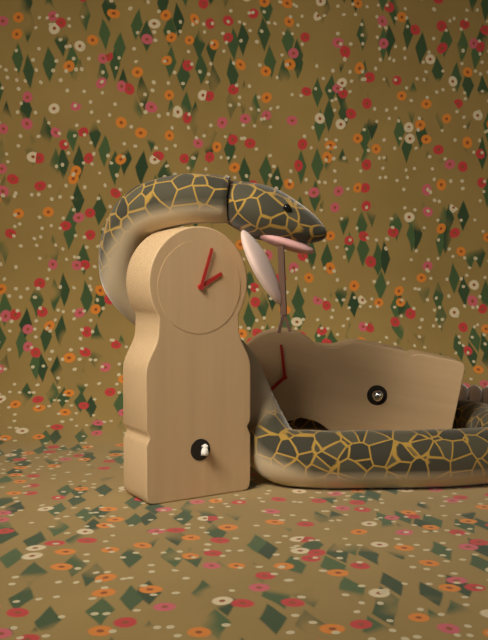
**2:03**
